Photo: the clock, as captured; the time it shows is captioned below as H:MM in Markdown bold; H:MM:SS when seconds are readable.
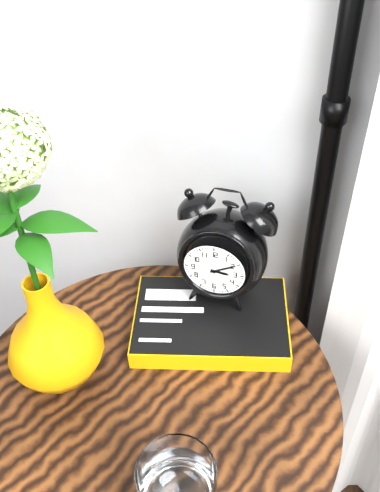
**3:10**
